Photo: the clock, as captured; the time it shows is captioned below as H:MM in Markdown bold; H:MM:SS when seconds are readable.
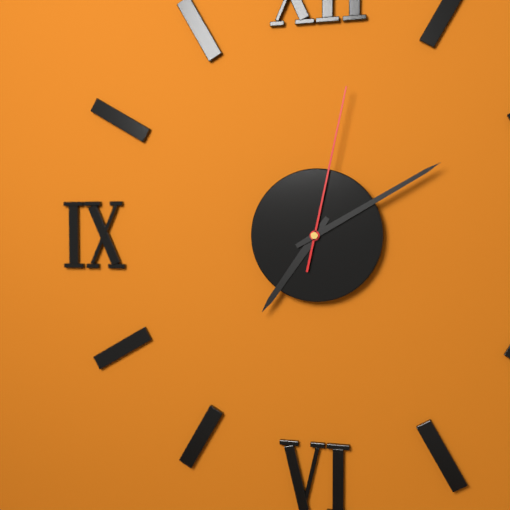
**7:10:02**
